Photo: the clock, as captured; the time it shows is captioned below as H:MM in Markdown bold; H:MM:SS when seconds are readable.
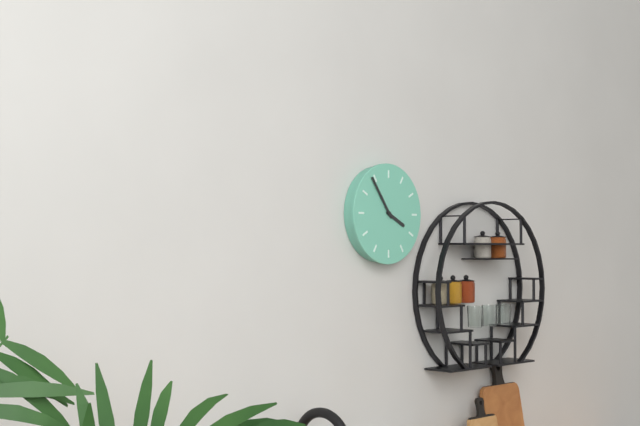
**3:54**
